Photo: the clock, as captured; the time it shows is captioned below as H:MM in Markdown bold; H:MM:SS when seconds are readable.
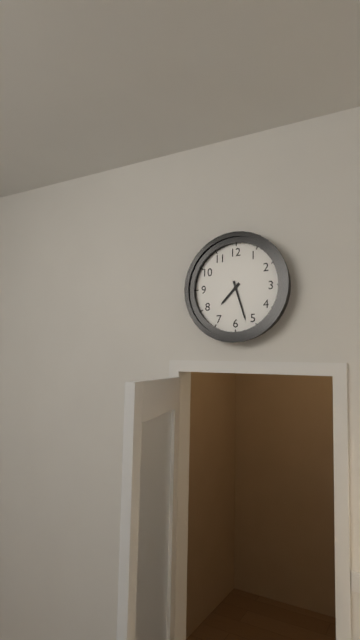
**7:27**
